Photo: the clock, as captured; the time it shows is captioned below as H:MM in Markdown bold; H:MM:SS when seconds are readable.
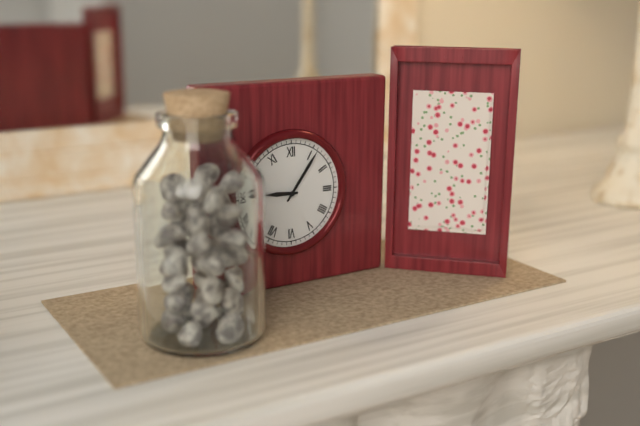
**9:06**
